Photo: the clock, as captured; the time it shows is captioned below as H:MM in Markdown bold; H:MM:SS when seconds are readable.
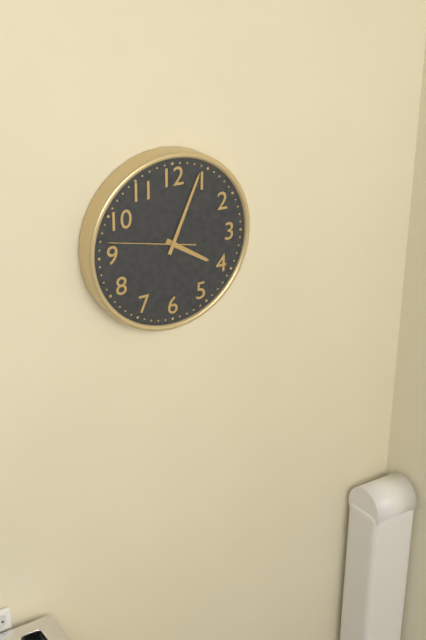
**4:04:47**
